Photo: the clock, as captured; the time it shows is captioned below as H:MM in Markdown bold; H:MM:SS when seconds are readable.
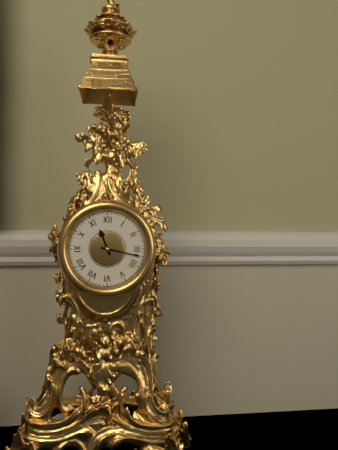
**11:17**
